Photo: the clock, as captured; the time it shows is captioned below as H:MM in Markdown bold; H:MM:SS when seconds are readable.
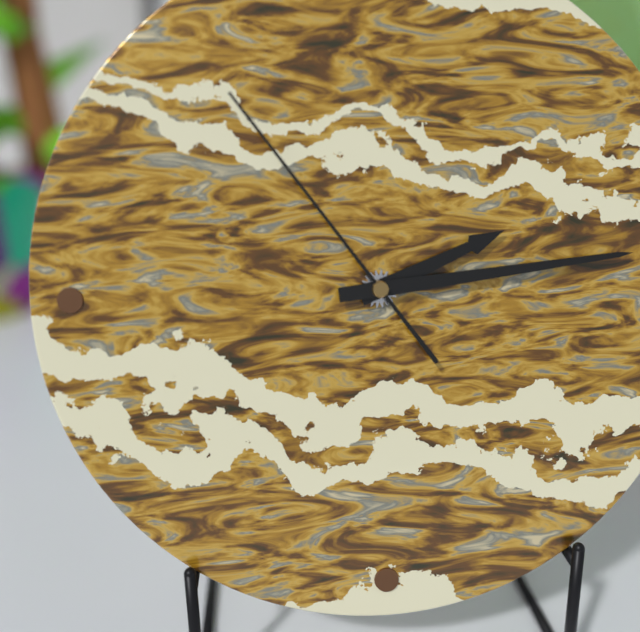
**2:14:54**
